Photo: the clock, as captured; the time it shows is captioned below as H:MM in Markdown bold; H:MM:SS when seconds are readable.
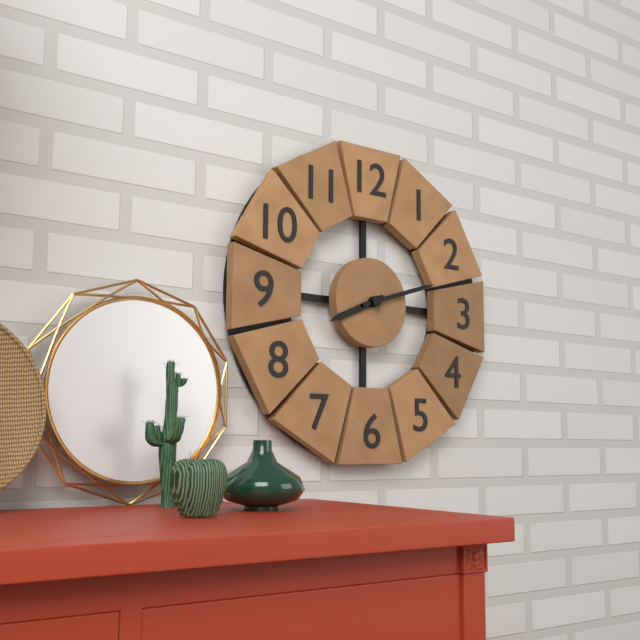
**8:12**
